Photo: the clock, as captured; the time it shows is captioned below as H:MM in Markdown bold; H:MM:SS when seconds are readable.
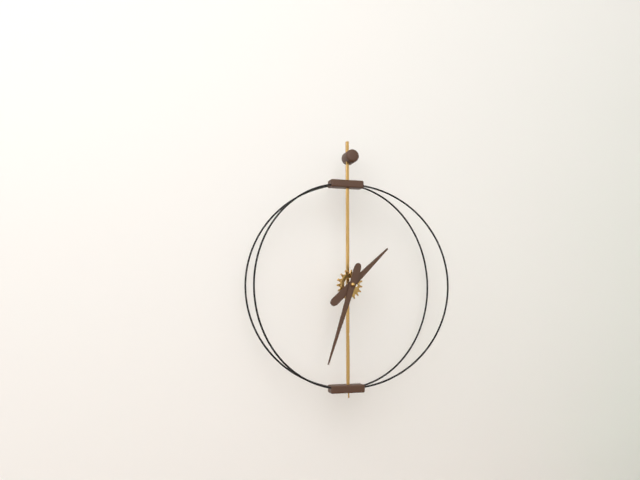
**1:33**
